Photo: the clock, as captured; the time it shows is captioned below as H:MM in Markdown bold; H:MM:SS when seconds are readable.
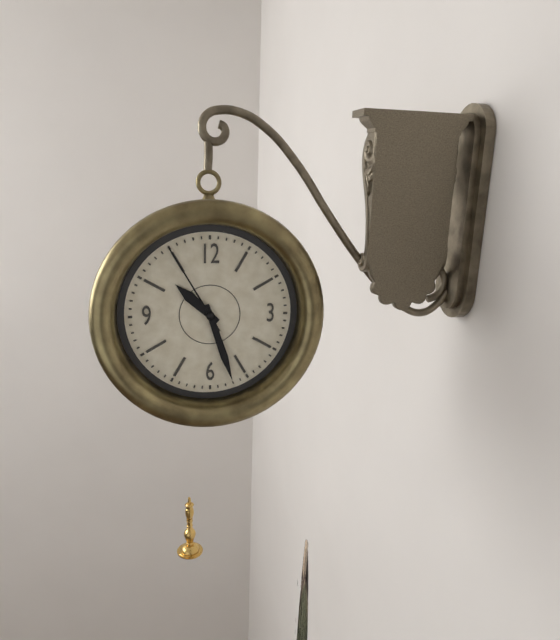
**10:27:55**
